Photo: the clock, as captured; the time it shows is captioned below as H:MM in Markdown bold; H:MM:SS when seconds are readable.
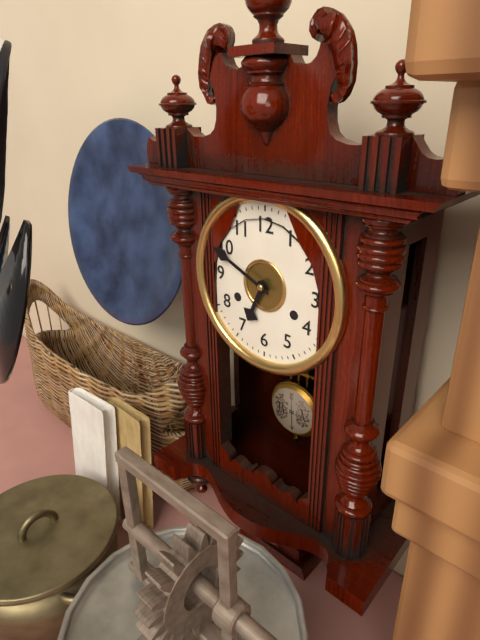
**6:49**
